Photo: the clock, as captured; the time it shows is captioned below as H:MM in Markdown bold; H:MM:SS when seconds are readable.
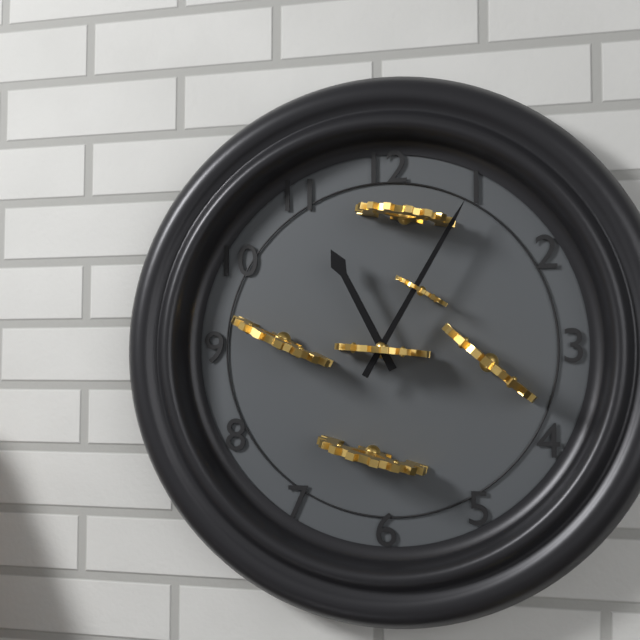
**11:05**
